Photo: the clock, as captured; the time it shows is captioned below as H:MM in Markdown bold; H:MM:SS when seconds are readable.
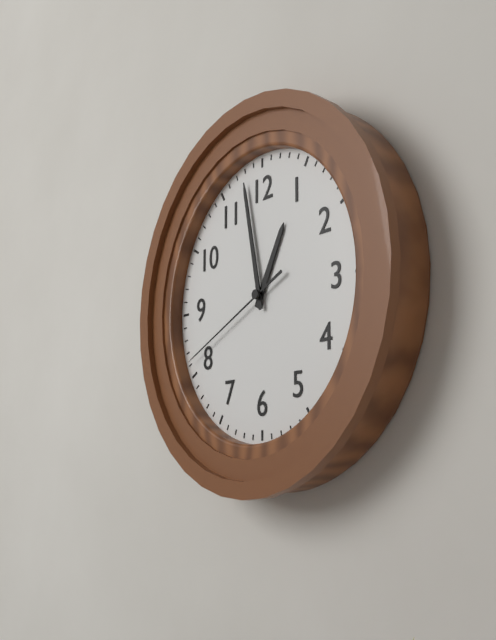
**12:58:41**
